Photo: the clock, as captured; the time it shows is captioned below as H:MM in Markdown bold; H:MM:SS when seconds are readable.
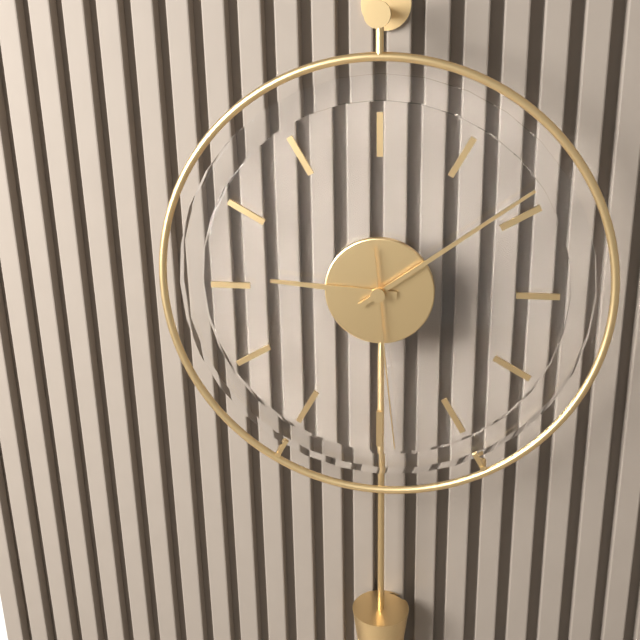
**9:09:29**
